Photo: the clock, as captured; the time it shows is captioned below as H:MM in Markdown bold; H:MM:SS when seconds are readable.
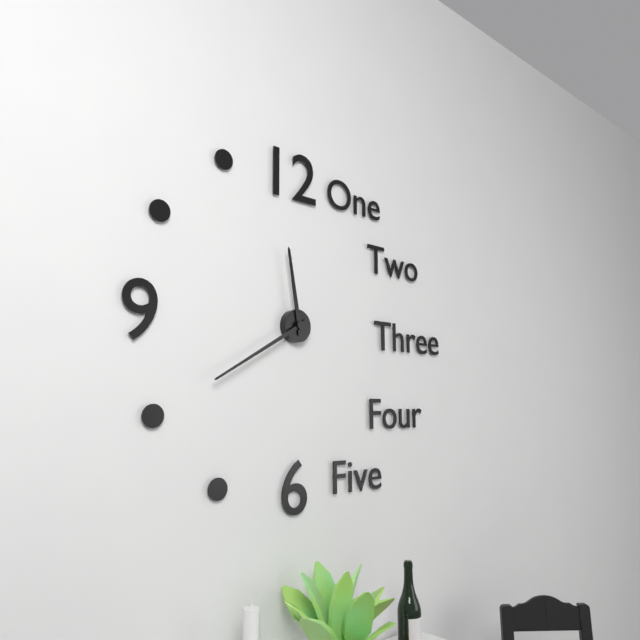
**11:40**
